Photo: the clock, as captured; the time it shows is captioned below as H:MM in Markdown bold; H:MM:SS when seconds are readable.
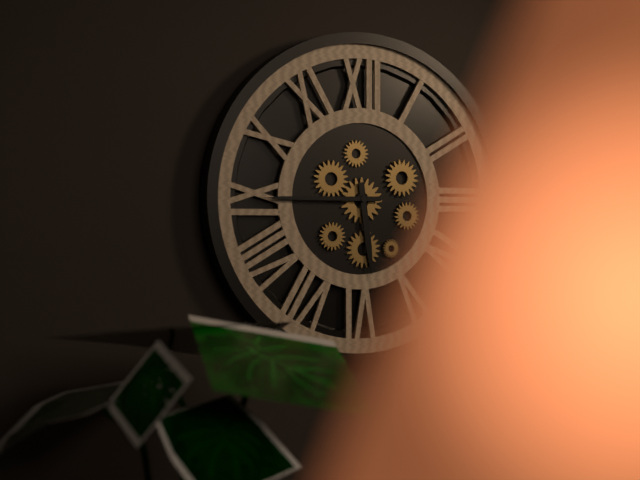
**5:45**
